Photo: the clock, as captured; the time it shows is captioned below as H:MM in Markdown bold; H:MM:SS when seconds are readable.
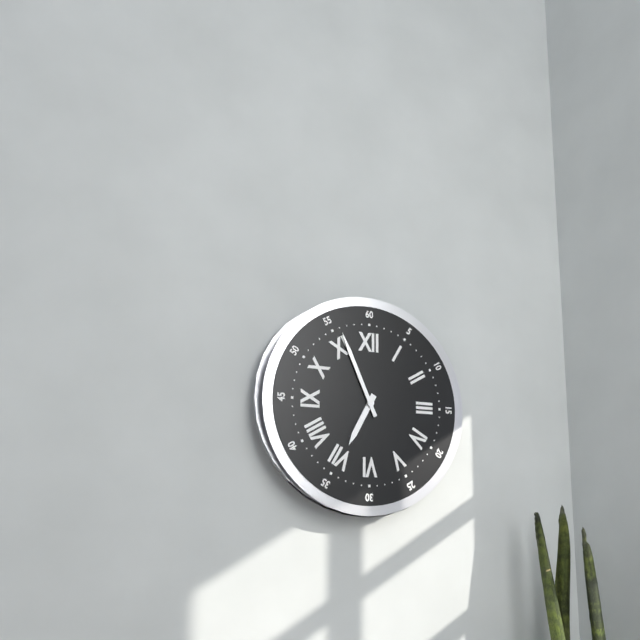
**6:56**
